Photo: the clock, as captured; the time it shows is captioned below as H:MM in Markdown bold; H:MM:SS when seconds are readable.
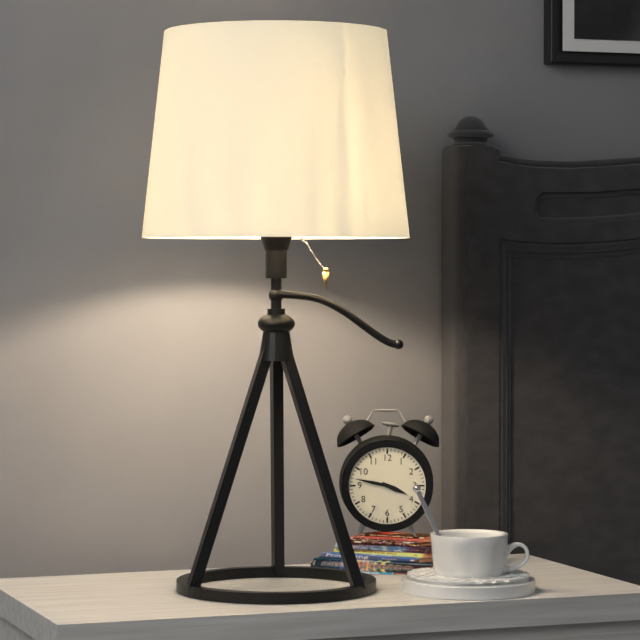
**3:47**
